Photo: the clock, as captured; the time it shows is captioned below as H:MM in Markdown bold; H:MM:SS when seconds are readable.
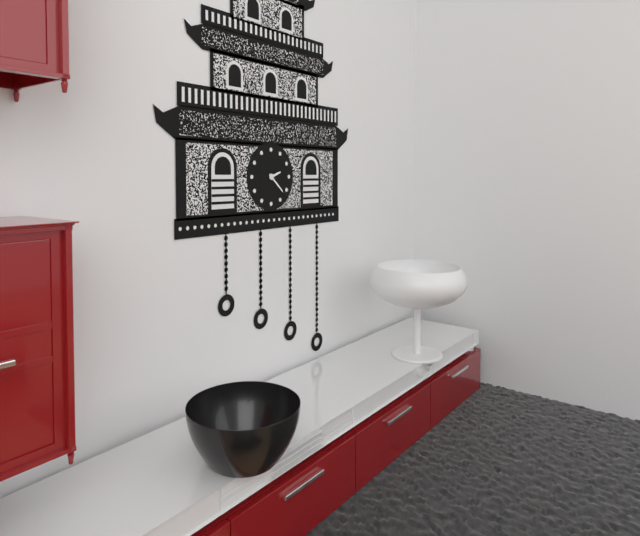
**2:22**
